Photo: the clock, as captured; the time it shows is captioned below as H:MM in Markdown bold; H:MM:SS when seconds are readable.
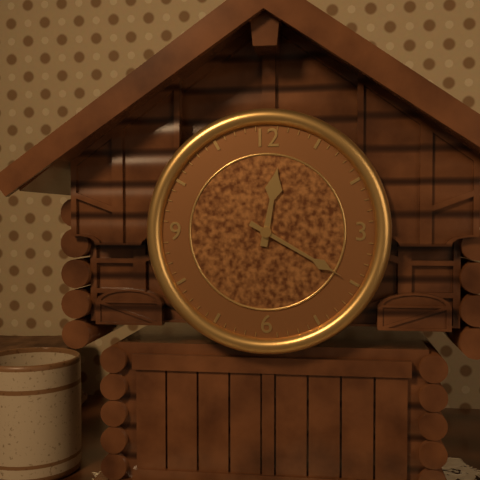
**12:20**
